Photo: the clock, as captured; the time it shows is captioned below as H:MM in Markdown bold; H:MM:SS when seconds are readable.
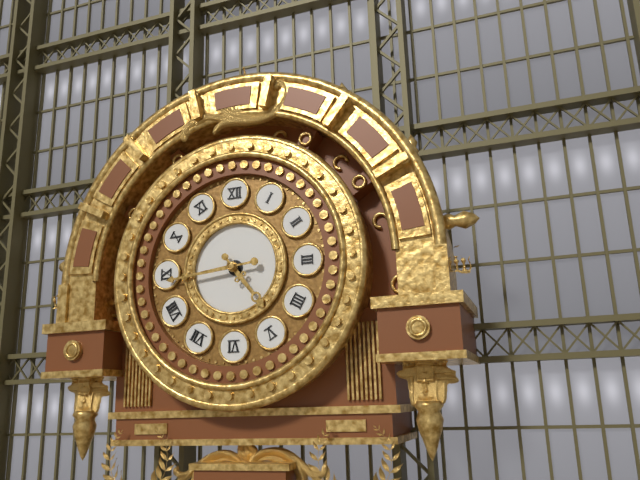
**4:44**
